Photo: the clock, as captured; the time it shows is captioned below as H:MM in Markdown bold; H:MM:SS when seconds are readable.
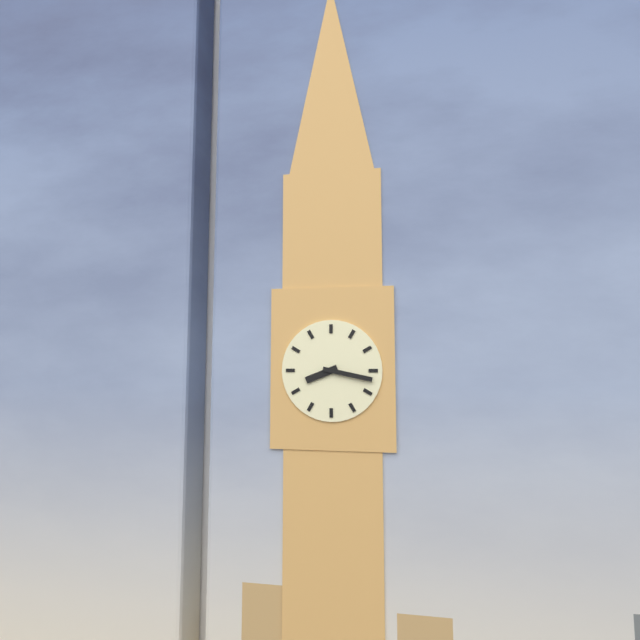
**8:17**
